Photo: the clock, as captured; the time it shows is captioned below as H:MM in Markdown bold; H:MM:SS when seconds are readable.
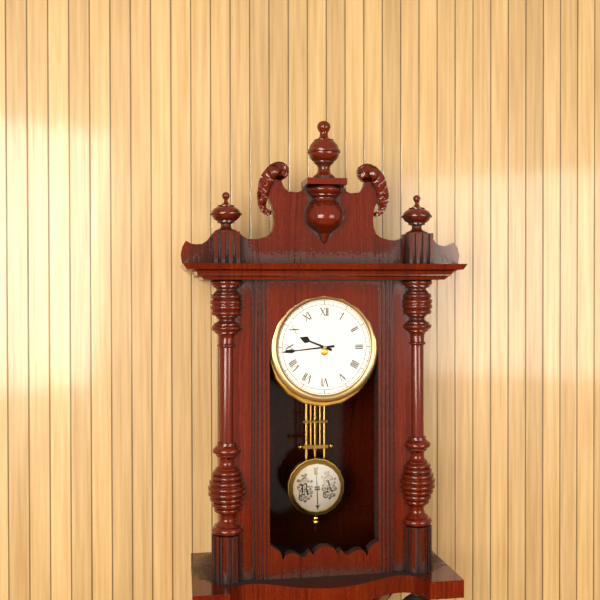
**9:44**
